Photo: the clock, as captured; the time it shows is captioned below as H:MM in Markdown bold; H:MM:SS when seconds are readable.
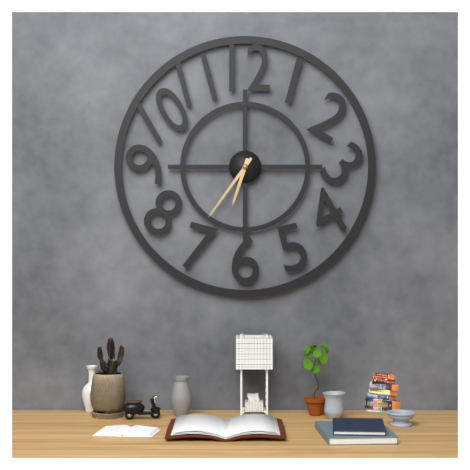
**6:36**
